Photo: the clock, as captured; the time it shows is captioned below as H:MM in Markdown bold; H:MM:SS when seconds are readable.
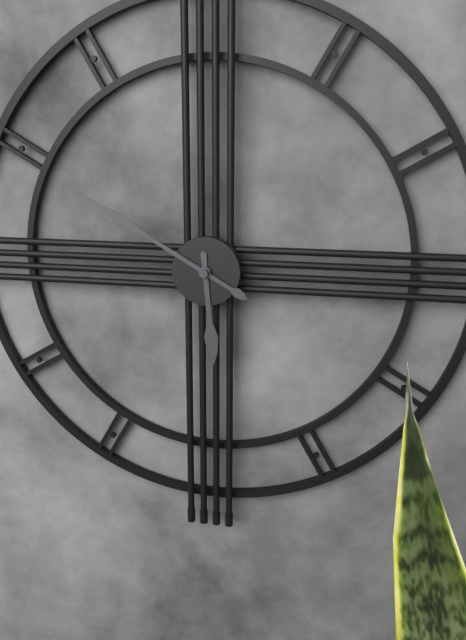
**5:50**
